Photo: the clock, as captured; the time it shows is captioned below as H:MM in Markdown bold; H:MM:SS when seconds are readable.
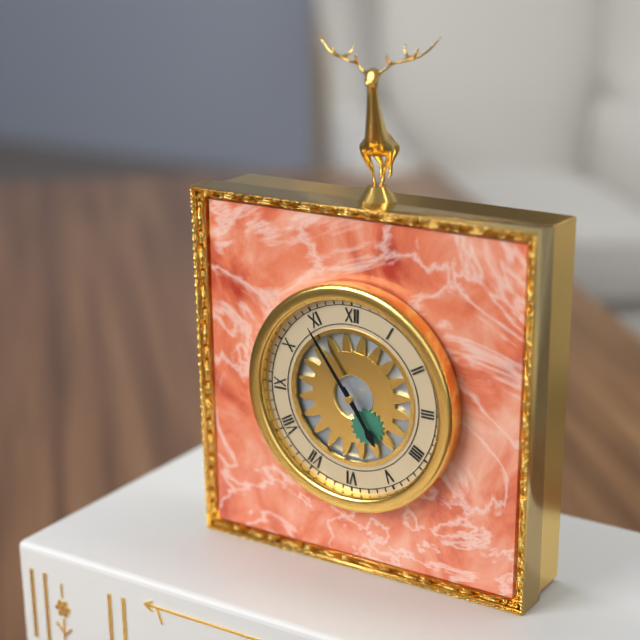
**4:54**
